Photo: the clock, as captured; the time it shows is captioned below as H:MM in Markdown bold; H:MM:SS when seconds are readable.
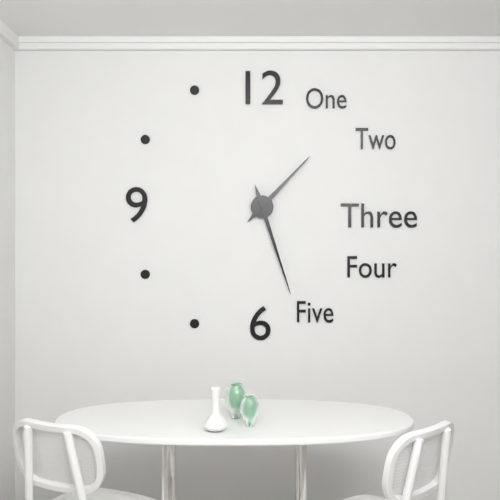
**1:27**
